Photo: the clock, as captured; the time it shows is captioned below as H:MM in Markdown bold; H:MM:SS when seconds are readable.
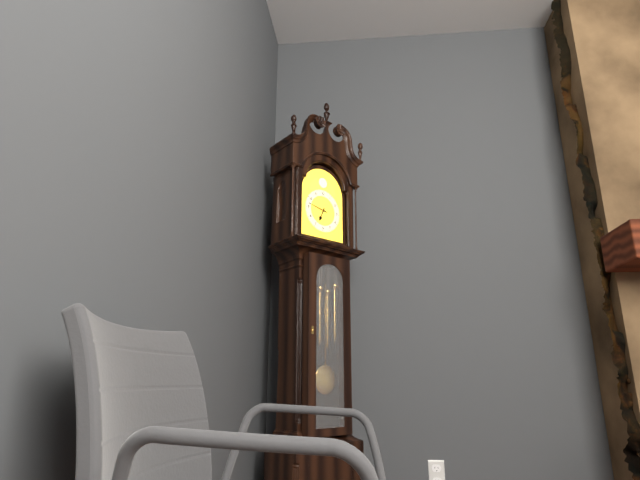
**6:47**
